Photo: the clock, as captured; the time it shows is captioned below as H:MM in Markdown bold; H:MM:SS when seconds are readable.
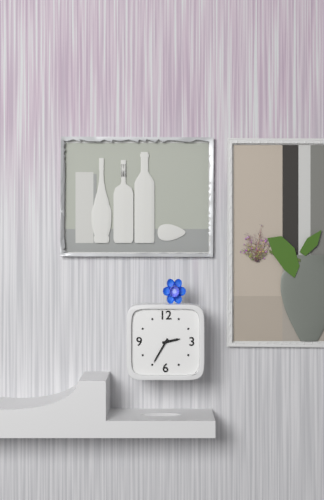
**2:35**
